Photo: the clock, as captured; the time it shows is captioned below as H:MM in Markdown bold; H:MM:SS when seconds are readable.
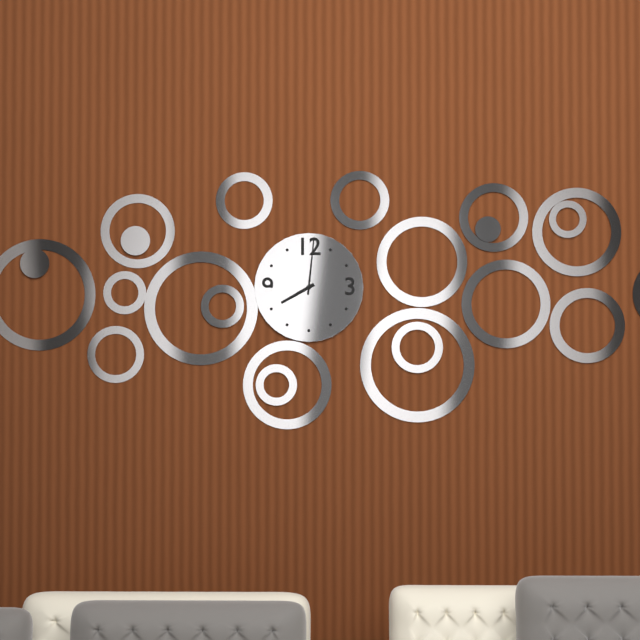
**8:01**
